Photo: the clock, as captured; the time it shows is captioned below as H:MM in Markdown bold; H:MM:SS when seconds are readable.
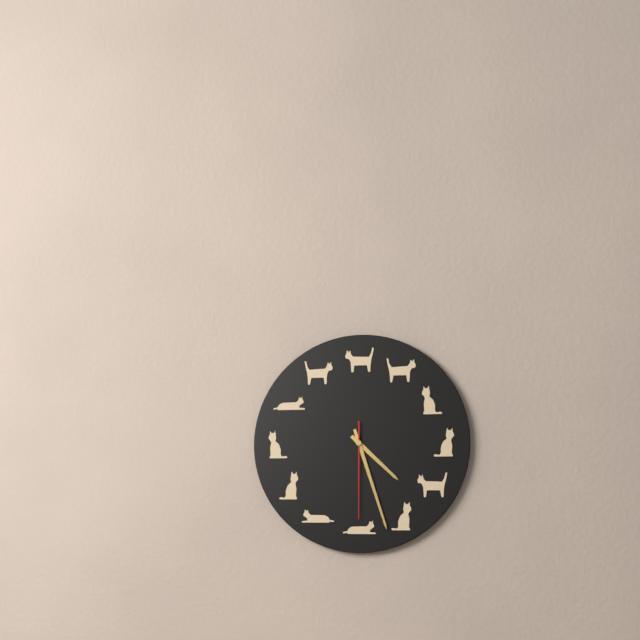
**4:27:30**
